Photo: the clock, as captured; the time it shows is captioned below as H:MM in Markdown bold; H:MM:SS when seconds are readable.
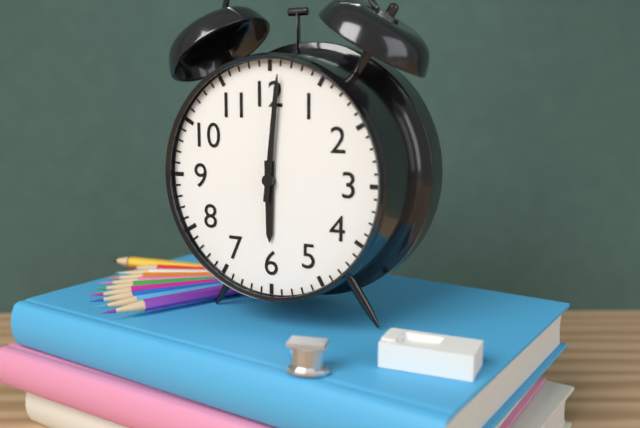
**6:01**
